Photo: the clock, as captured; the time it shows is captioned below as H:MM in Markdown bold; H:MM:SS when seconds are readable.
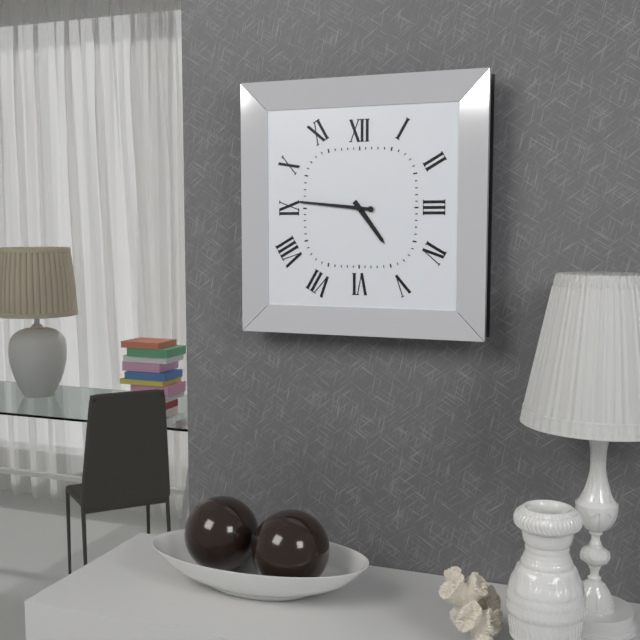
**4:46**
